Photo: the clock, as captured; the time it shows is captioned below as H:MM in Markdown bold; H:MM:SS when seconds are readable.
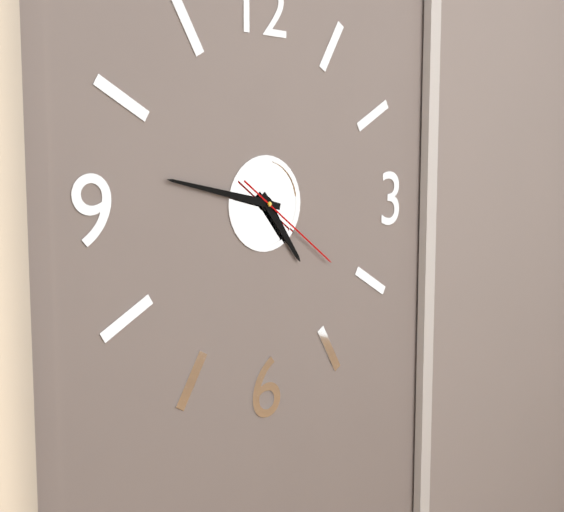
**4:47:21**
